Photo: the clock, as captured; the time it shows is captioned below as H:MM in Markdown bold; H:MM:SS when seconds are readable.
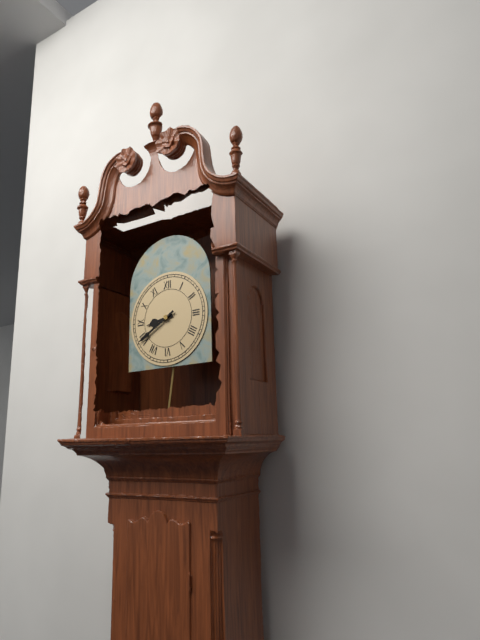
**8:40**
